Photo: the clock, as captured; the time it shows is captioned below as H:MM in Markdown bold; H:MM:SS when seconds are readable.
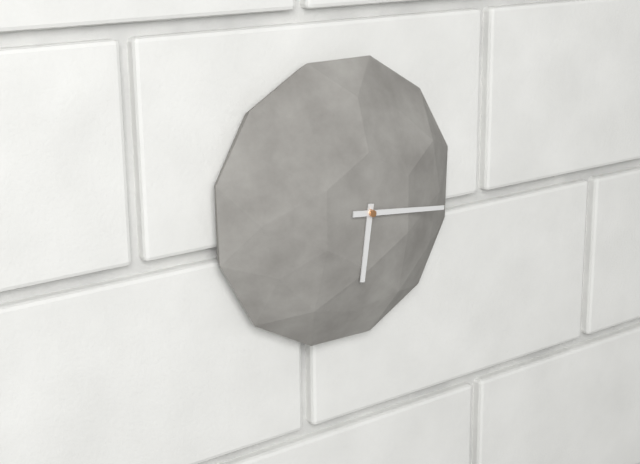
**6:16**
